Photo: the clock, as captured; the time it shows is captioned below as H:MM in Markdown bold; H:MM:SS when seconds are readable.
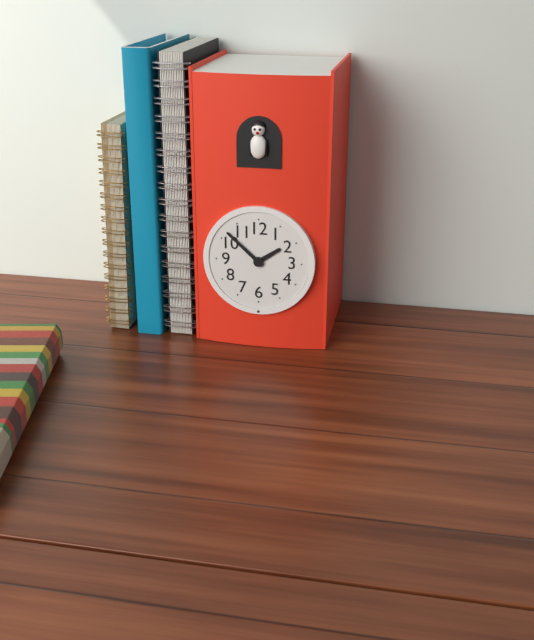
**1:52**
